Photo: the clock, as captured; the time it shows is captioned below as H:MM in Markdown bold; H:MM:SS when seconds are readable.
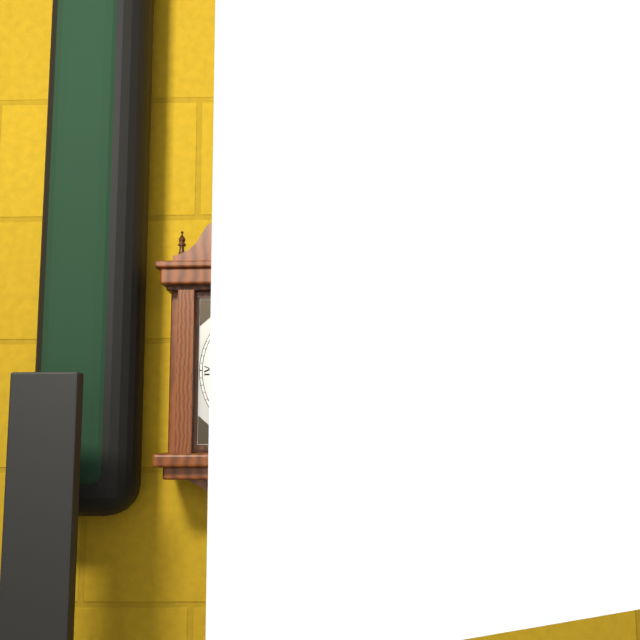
**11:16**
